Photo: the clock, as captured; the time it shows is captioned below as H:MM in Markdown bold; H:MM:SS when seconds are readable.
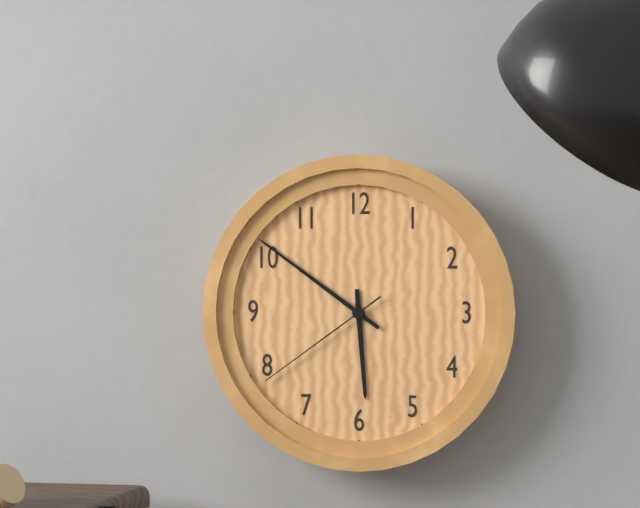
**5:51:39**
